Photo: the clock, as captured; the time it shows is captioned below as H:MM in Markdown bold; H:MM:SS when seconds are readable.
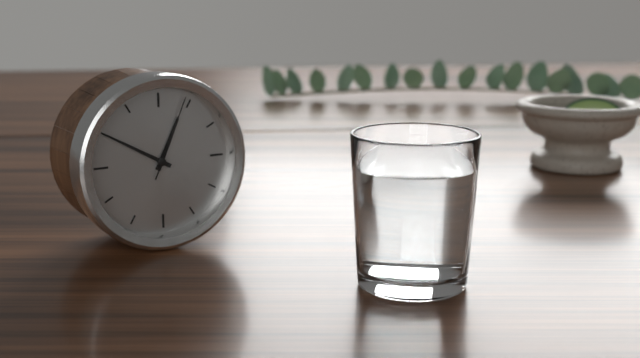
**12:50:04**
